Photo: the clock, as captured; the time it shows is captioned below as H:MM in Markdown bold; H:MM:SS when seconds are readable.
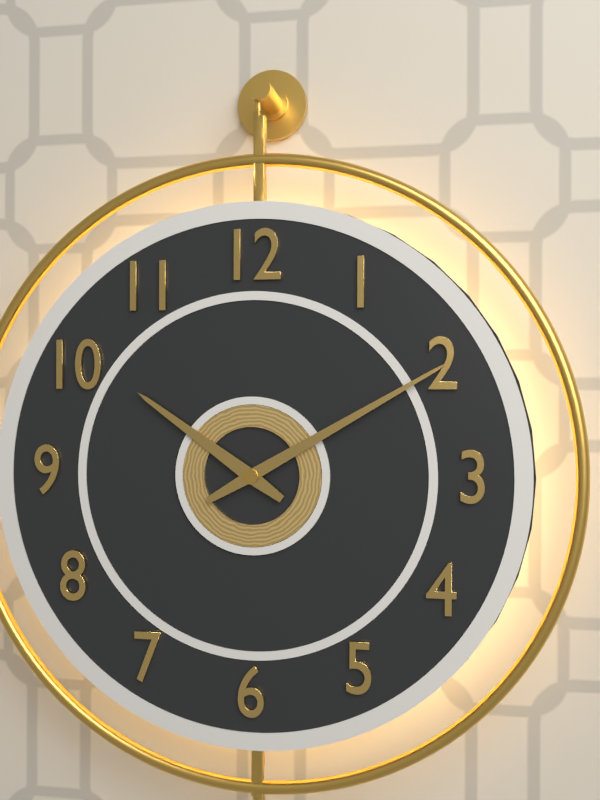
**10:10**
